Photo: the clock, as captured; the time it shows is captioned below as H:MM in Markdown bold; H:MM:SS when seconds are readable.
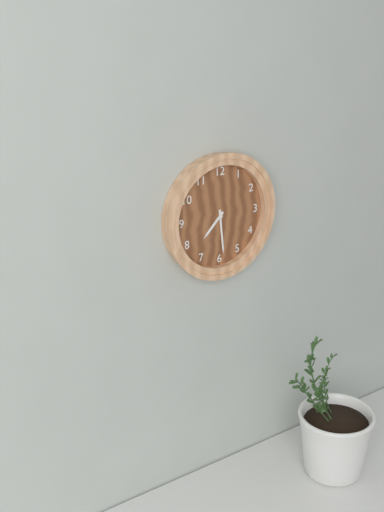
**7:29**
